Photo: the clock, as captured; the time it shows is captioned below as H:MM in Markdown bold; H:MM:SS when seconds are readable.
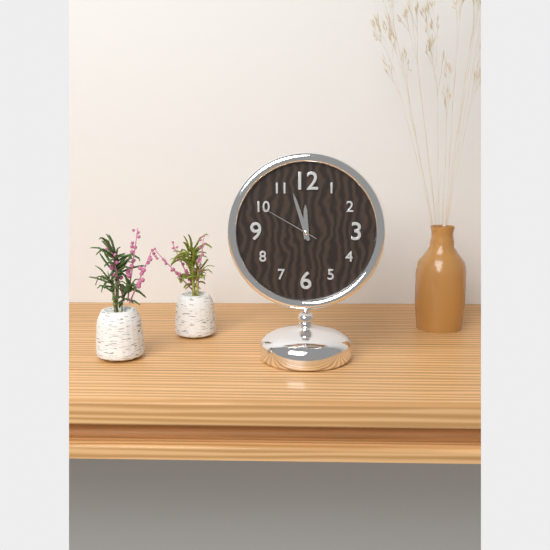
**11:57:50**
